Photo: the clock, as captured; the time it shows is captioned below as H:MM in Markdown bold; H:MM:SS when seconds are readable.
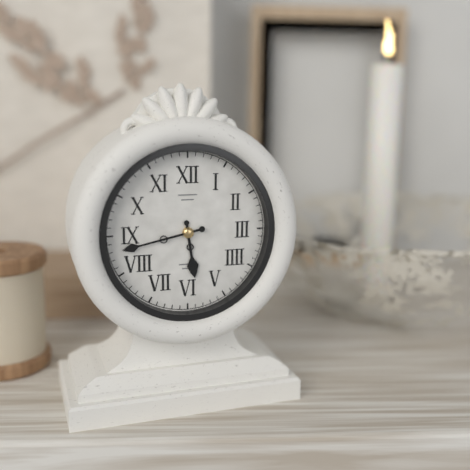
**5:43**
